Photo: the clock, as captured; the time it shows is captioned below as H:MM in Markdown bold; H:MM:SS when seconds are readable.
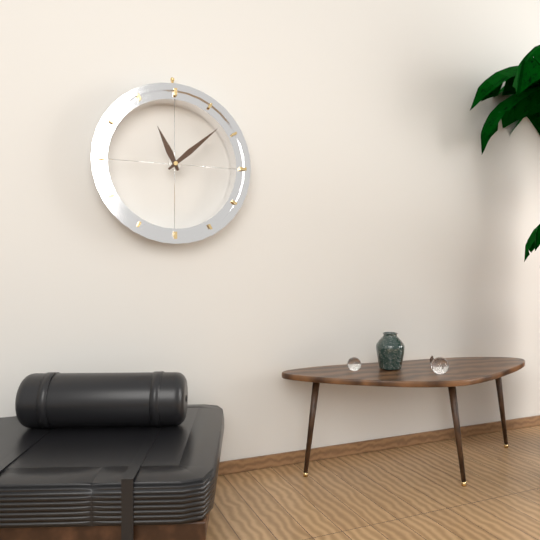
**11:08**
